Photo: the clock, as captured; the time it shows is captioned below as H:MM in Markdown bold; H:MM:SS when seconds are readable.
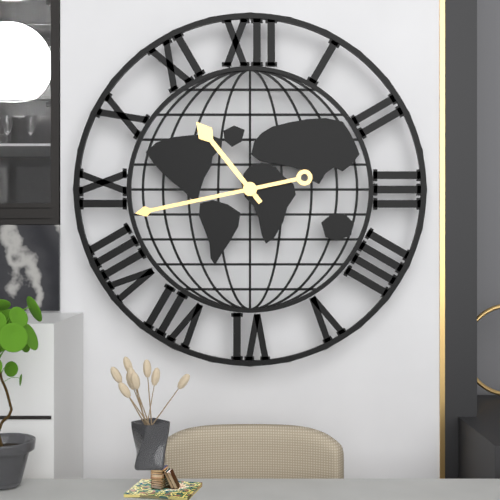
**10:43**
